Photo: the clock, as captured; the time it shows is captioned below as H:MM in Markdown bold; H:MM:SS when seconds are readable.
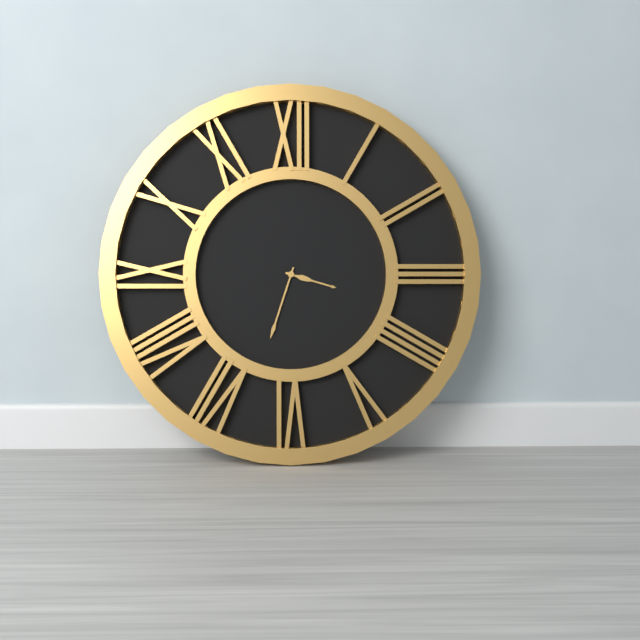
**3:33**
